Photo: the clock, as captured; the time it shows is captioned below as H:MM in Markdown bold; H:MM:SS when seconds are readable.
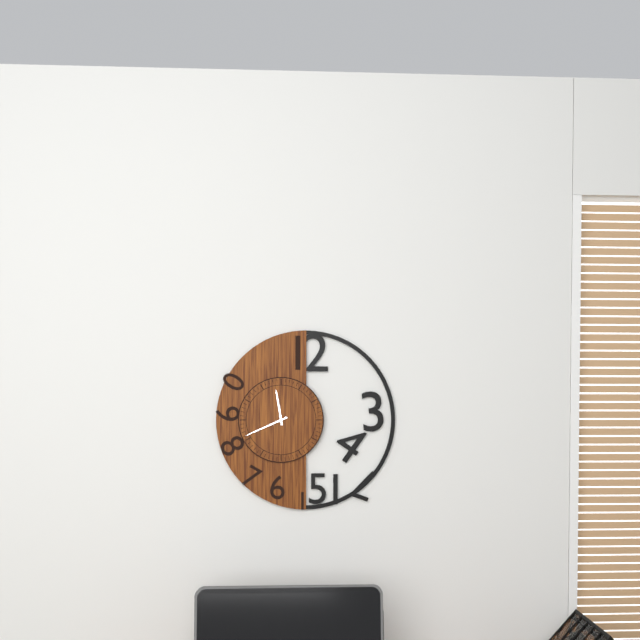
**11:41**
